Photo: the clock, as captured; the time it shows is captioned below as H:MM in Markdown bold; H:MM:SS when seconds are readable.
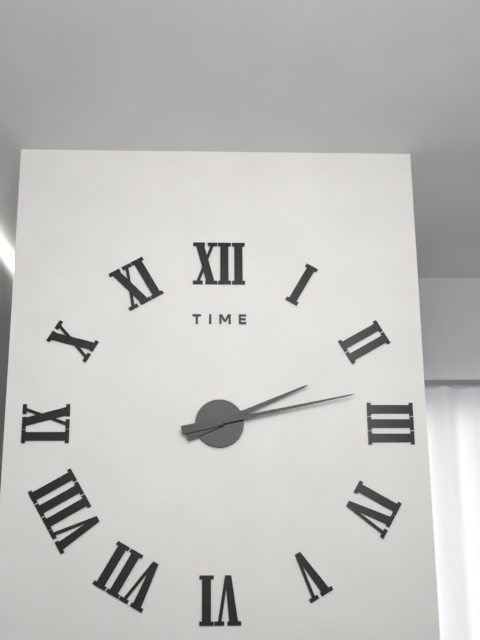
**2:13**
